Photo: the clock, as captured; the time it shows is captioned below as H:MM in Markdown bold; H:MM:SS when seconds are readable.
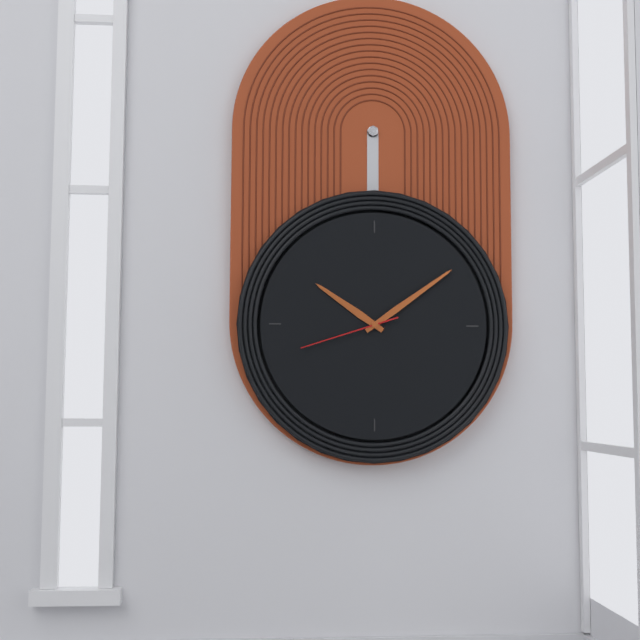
**10:09:42**
